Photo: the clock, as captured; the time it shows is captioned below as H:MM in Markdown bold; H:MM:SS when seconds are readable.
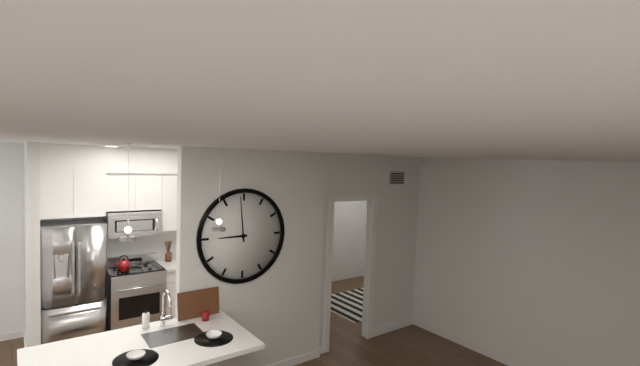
**8:59**
